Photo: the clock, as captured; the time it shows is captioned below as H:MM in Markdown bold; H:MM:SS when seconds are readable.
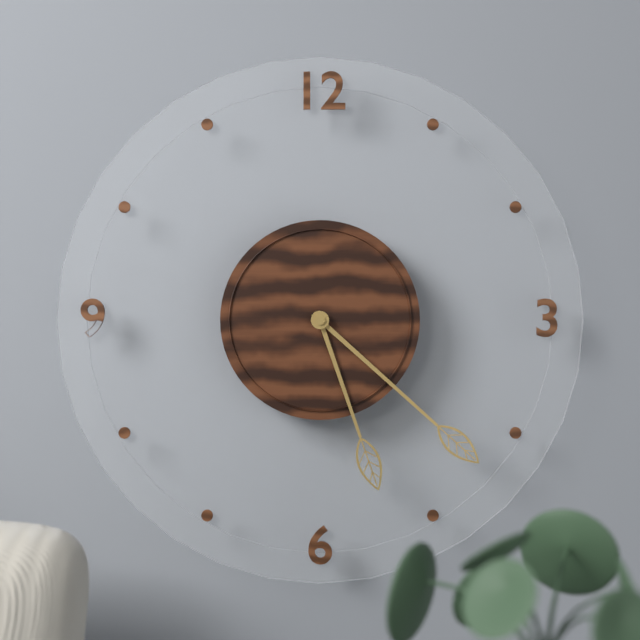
**5:22**
